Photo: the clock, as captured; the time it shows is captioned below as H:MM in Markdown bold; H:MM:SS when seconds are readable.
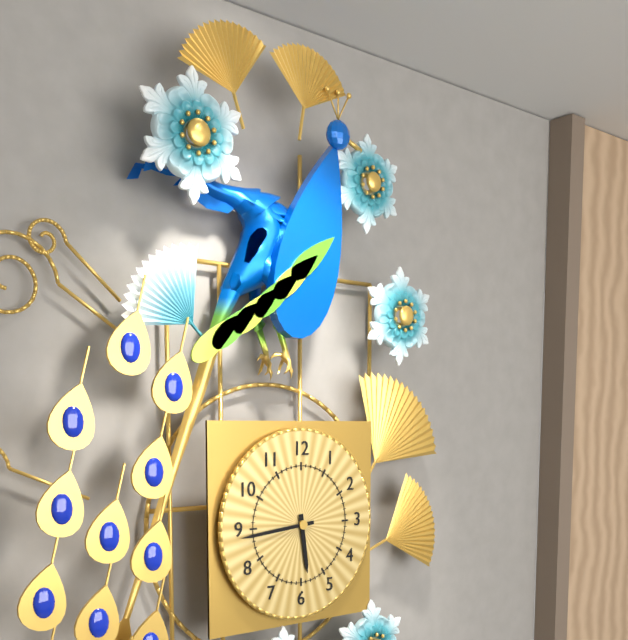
**5:44**
